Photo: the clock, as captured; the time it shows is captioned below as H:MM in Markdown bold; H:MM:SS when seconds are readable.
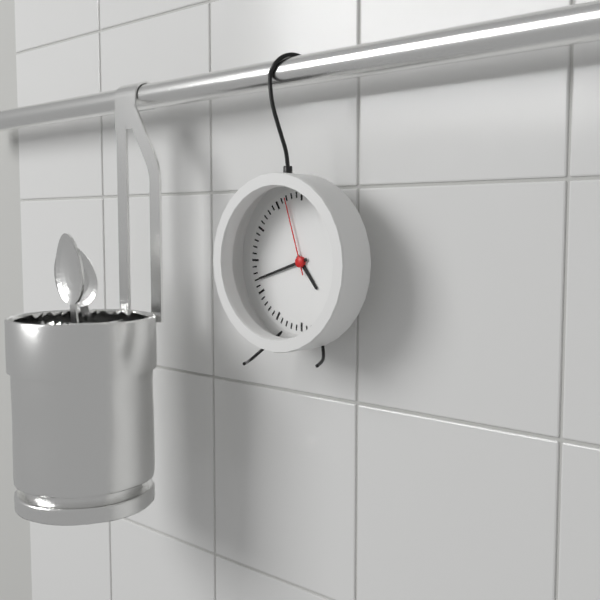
**4:42:57**
